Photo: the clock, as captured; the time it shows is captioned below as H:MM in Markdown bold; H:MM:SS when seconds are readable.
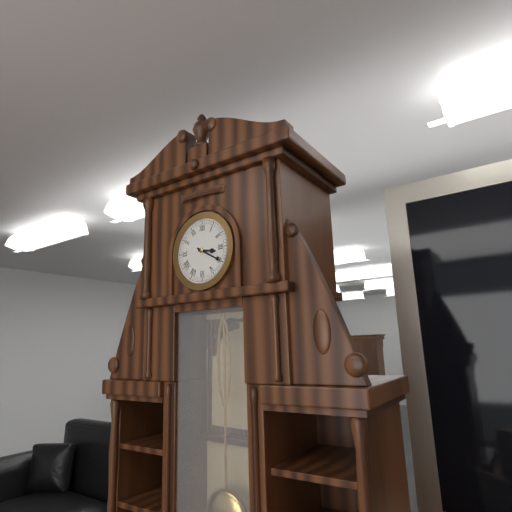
**3:20**
